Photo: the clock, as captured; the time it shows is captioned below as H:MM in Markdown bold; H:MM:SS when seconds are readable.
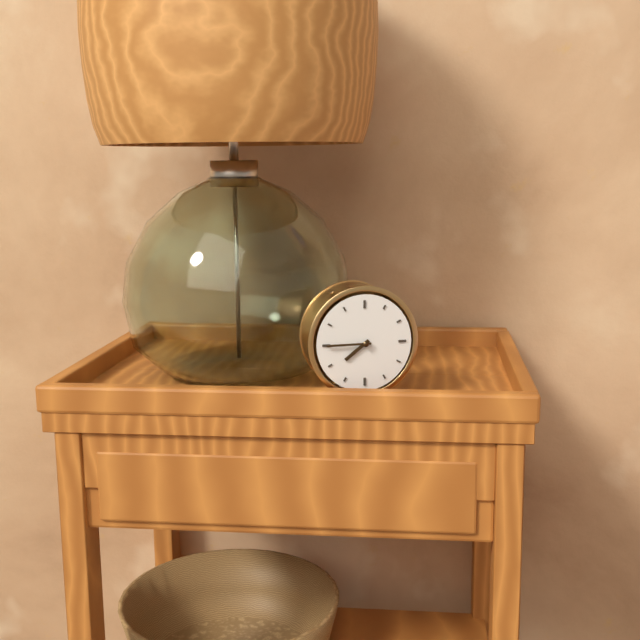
**7:45**
